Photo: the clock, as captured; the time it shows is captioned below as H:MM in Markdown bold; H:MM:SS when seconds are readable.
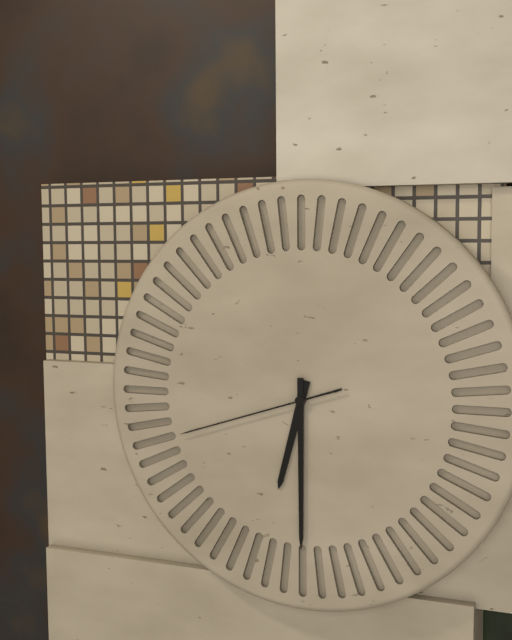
**6:30:42**
